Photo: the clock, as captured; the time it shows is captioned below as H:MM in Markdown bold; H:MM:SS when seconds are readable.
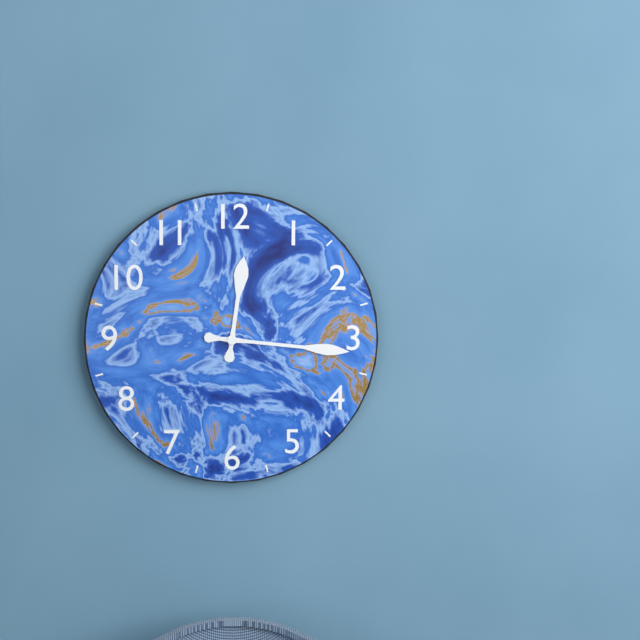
**12:16**
